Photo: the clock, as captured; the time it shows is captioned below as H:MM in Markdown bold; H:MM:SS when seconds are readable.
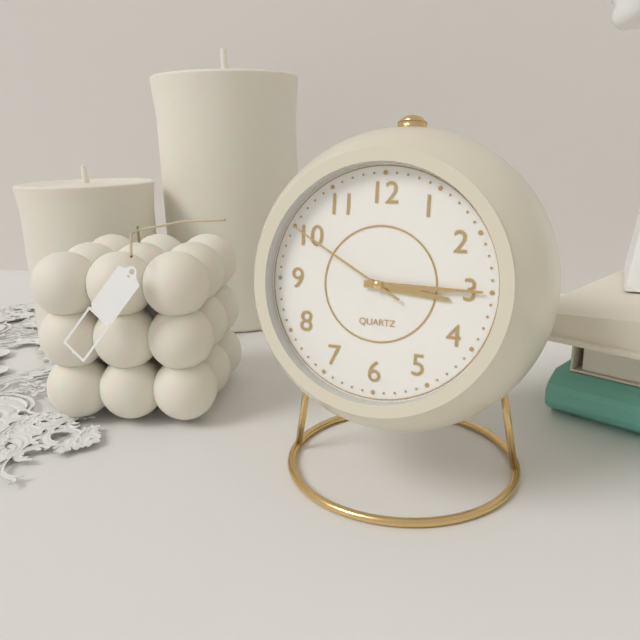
**3:15:50**
